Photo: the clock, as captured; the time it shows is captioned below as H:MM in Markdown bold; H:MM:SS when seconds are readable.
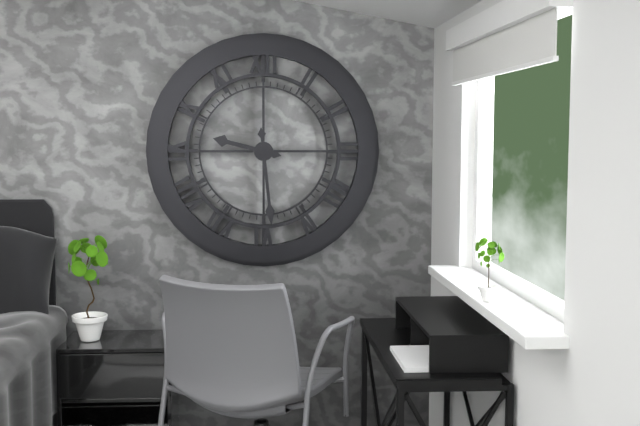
**9:29**
